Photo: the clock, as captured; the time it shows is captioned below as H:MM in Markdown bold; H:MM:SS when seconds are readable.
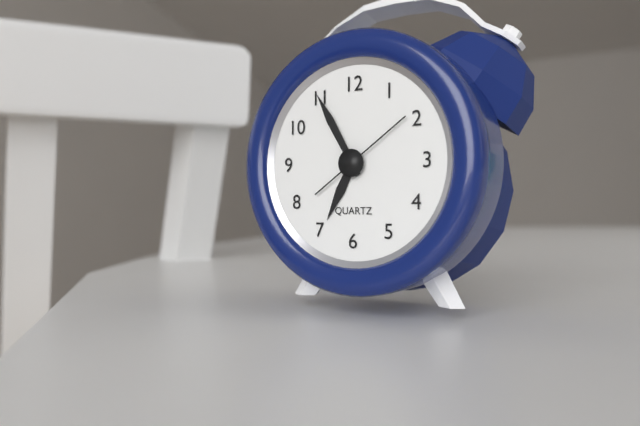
**6:55:09**
